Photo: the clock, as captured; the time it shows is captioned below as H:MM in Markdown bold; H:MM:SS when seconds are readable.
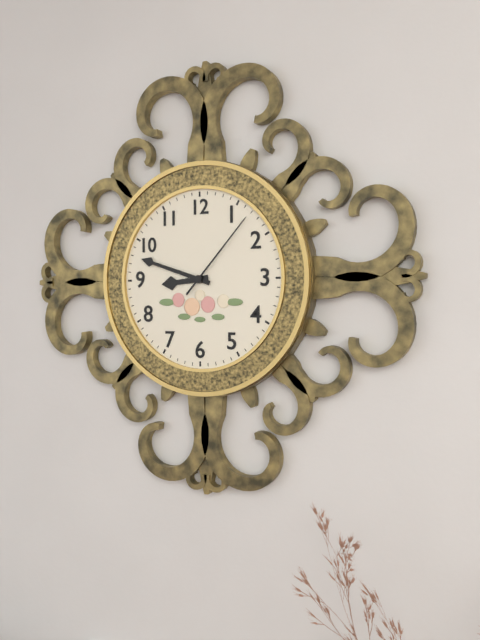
**8:48:07**
